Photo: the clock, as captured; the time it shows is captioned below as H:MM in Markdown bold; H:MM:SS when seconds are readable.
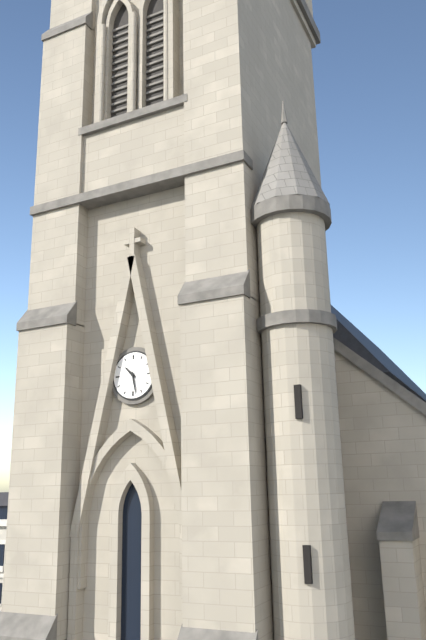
**10:28**
